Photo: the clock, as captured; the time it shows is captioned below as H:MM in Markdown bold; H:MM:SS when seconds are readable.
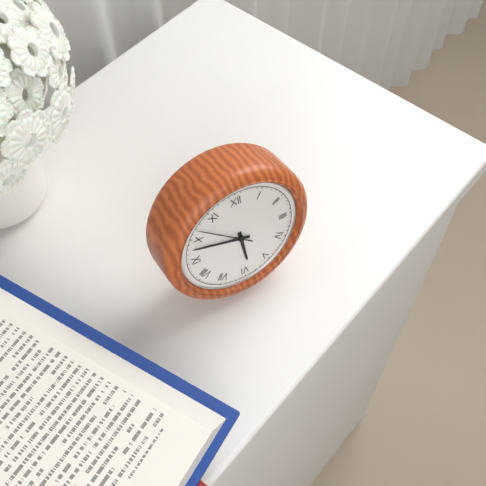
**5:48:52**
